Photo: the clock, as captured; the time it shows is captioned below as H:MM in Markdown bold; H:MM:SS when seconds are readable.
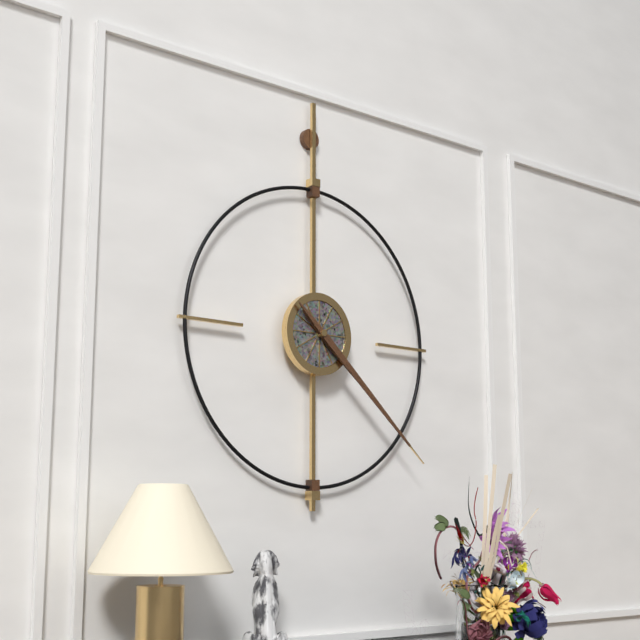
**4:22**
